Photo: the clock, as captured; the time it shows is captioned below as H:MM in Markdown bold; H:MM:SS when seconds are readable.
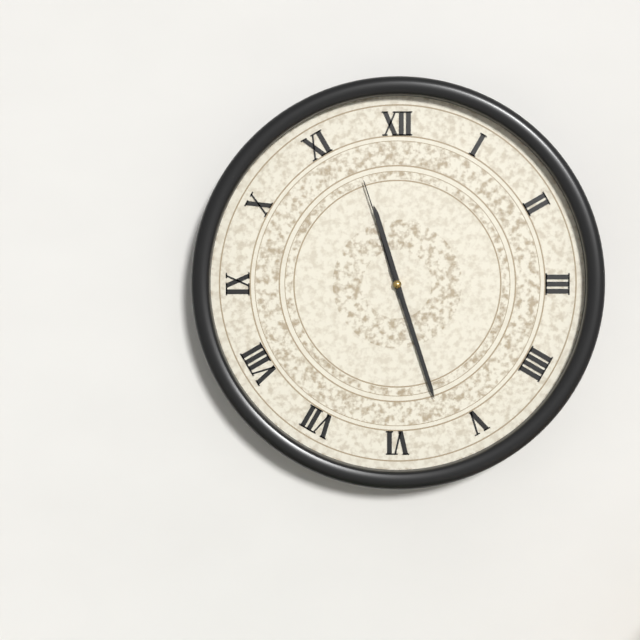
**11:27:57**
